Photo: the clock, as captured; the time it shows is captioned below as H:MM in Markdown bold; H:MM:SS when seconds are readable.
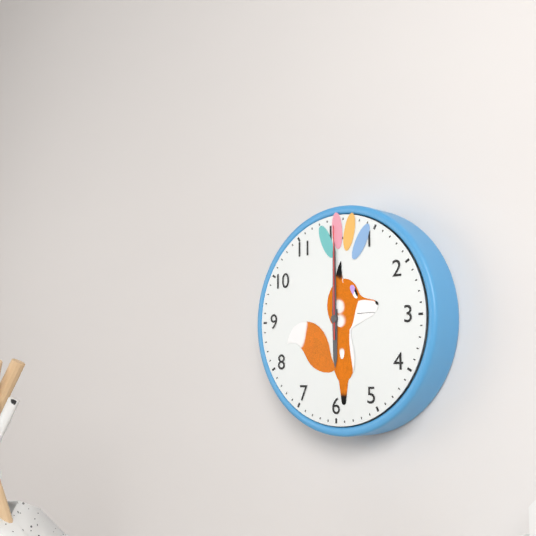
**6:00:00**
